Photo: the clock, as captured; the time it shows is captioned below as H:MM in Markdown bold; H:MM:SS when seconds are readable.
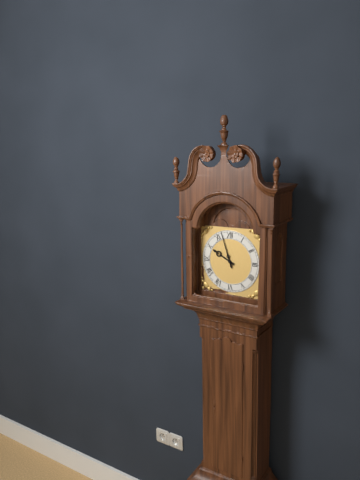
**9:57**
